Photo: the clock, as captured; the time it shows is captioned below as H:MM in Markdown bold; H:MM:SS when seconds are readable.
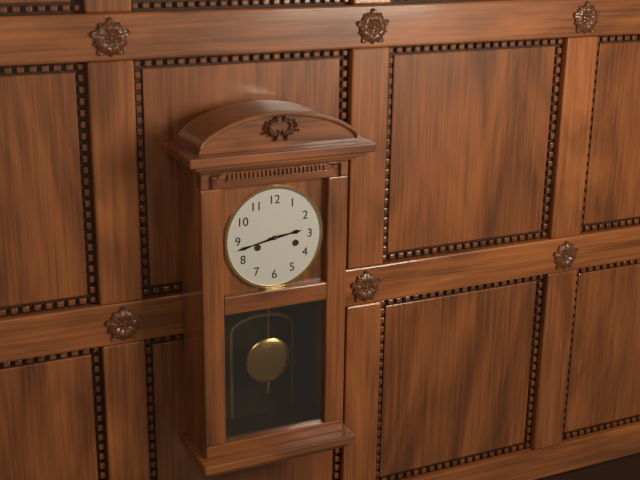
**2:43**
